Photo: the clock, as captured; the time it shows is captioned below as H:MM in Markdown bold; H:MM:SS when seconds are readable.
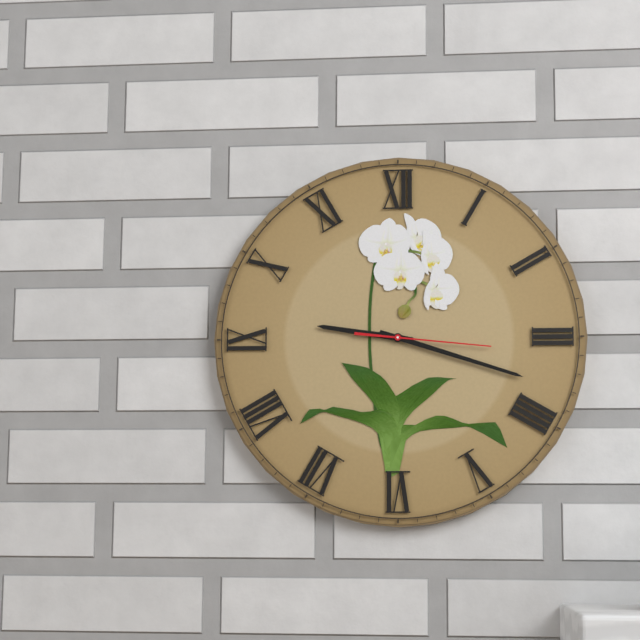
**9:18:16**
